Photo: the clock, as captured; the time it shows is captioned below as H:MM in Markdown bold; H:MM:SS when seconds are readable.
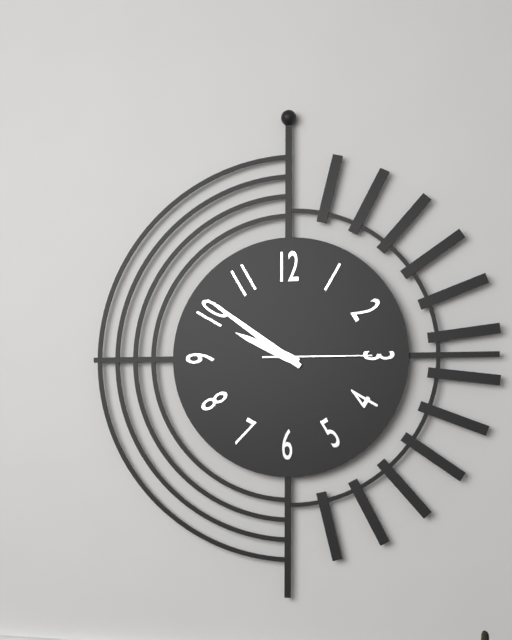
**9:51:15**
